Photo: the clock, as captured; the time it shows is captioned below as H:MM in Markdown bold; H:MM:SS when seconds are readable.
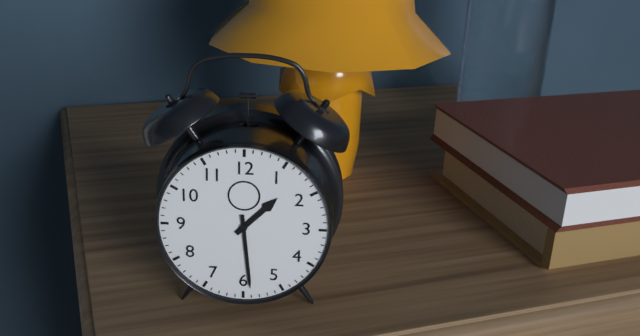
**1:29**
